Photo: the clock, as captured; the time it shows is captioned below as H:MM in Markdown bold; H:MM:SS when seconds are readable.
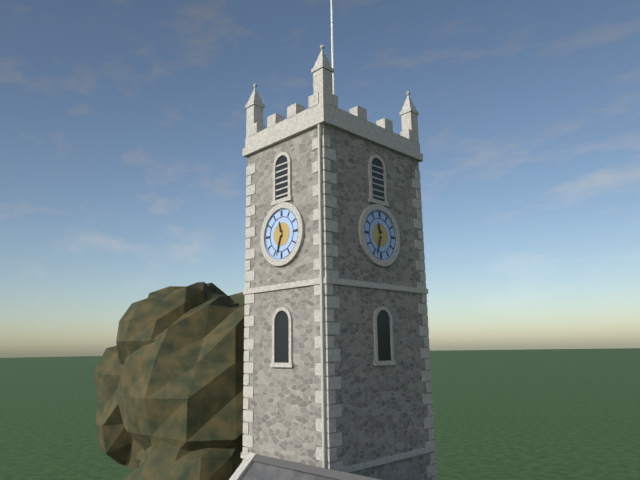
**11:33**
